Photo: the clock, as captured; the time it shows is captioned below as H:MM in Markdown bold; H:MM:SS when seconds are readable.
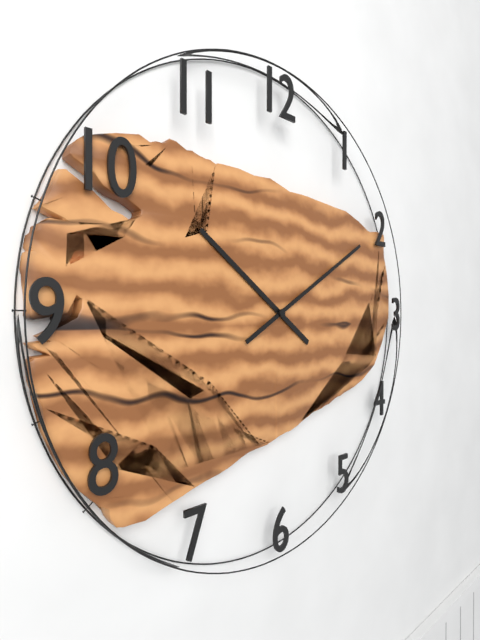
**10:10**
